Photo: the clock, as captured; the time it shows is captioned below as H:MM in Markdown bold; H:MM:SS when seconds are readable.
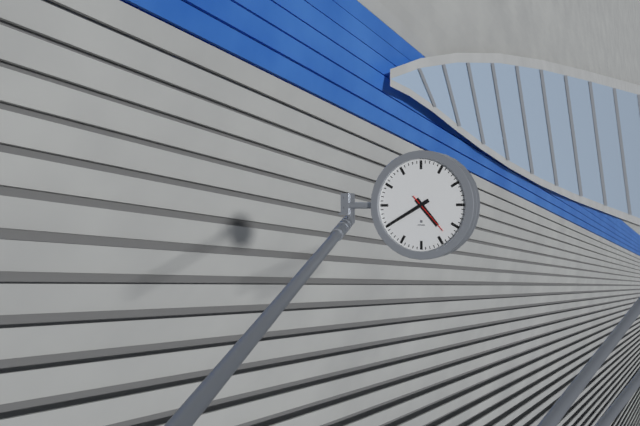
**4:40**
